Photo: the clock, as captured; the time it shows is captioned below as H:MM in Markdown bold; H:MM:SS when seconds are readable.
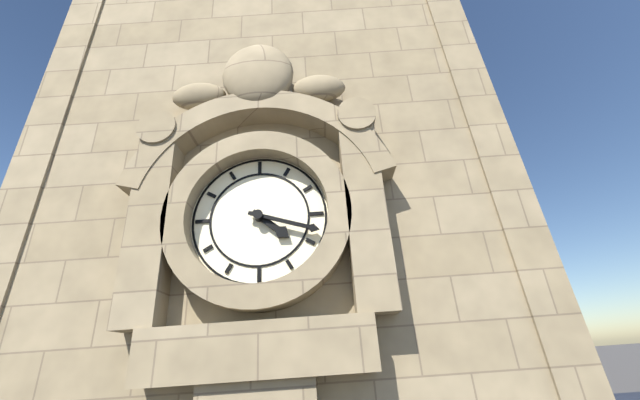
**4:18**
